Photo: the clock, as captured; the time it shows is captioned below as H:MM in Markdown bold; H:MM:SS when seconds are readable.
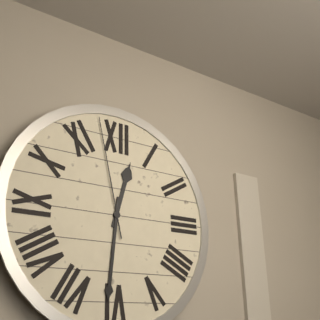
**12:31:58**
